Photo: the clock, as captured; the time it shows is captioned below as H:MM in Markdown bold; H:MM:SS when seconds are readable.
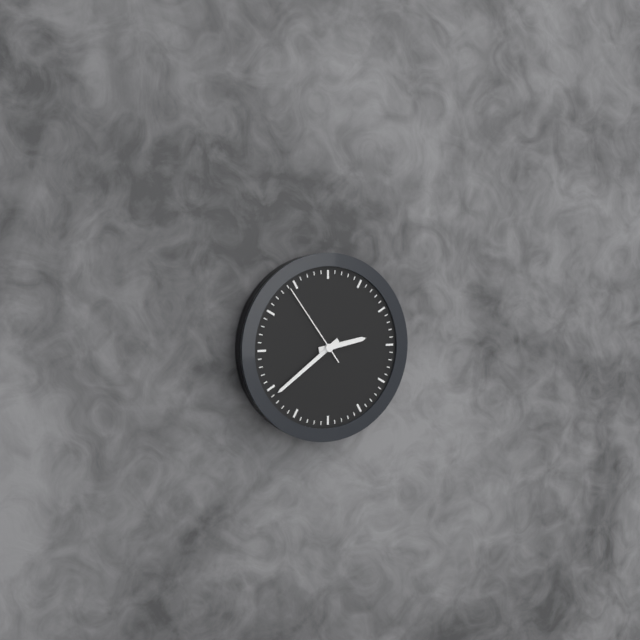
**2:39:54**
